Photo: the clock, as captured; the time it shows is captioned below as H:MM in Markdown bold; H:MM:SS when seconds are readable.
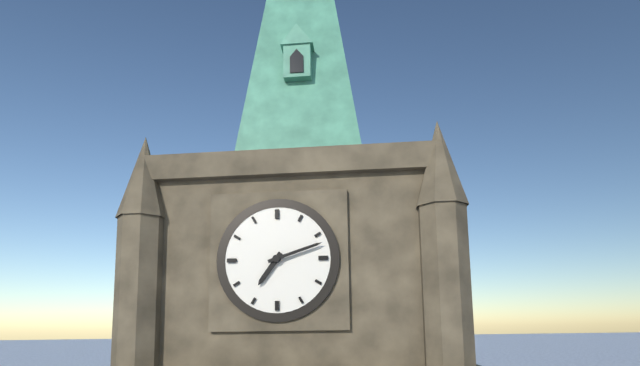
**7:12**
